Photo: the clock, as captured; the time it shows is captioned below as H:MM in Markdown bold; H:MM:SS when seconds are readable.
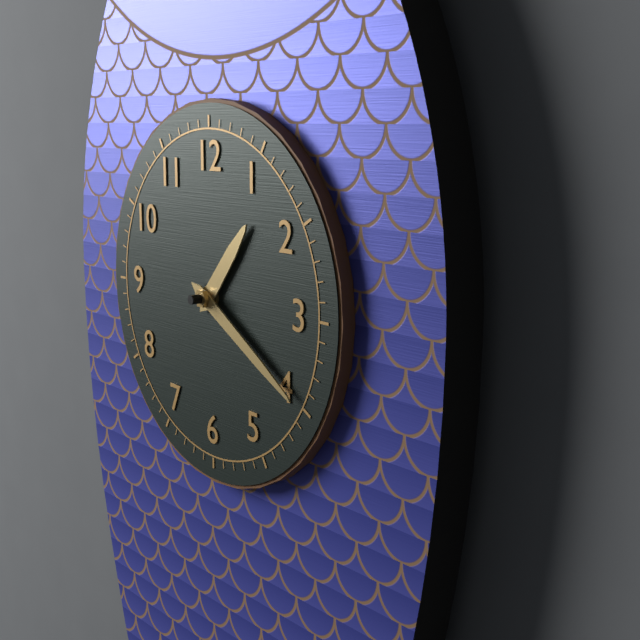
**1:20**
